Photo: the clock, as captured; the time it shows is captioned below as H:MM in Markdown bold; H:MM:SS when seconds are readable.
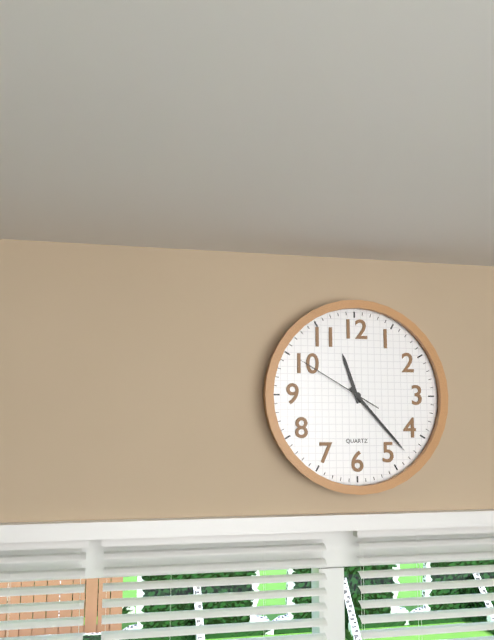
**11:23:50**
